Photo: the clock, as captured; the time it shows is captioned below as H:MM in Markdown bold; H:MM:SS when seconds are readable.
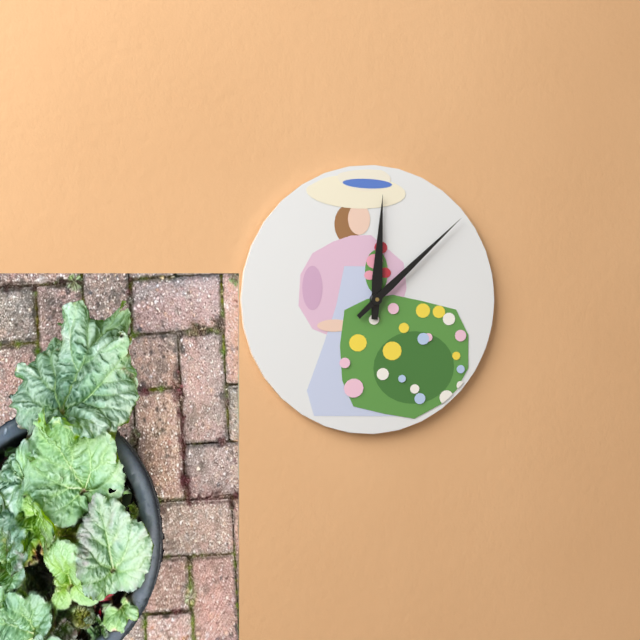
**12:08**
